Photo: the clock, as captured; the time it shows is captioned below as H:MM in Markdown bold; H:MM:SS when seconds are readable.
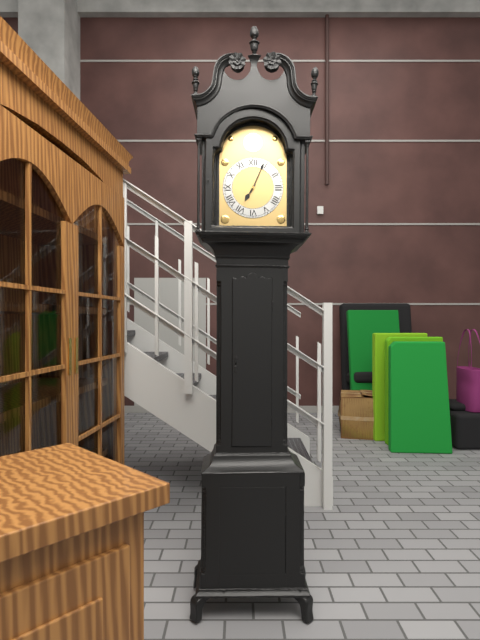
**7:04**
